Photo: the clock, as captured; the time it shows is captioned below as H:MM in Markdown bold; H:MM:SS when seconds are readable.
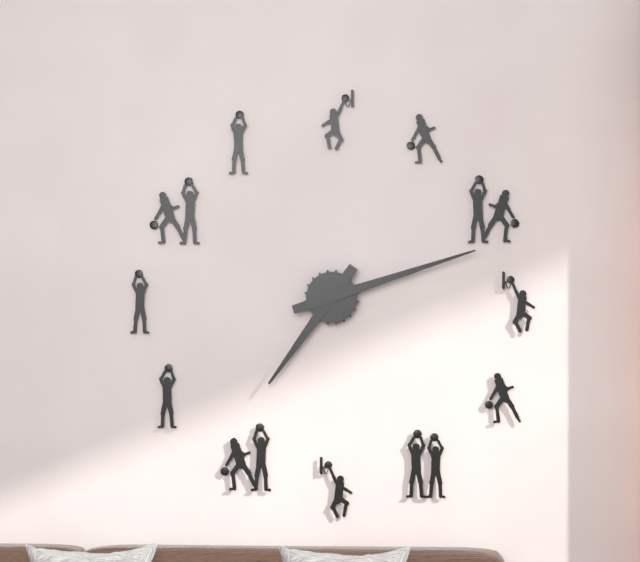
**7:12**
